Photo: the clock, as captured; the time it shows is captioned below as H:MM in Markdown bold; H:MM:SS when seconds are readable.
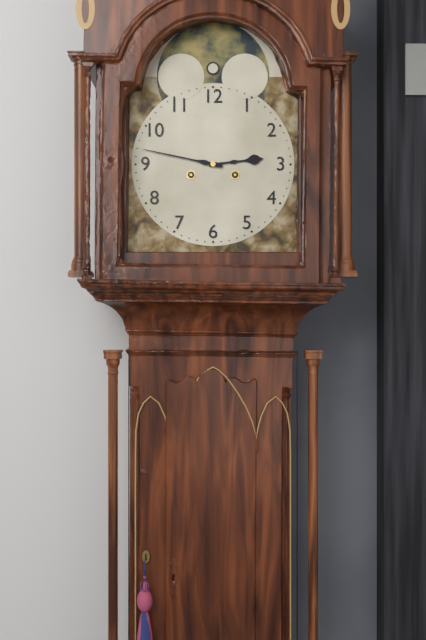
**2:47**
